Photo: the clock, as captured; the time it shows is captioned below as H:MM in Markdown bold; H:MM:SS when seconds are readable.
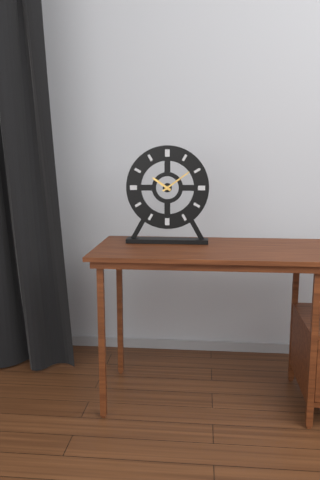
**10:09**
